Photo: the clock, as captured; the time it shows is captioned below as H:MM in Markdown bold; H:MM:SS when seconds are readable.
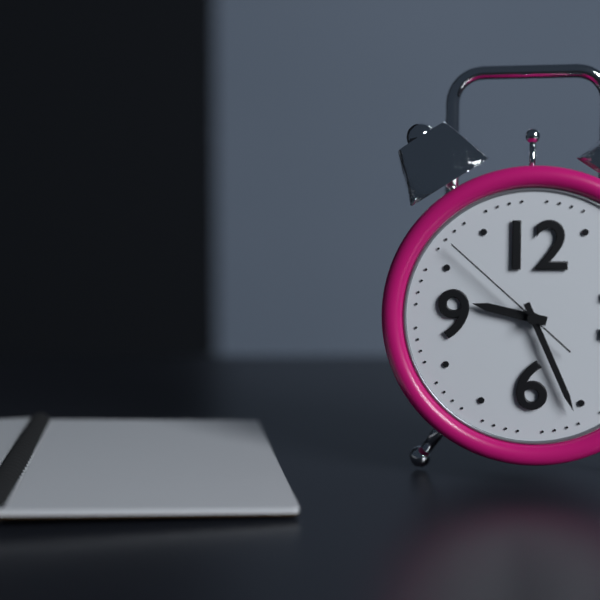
**9:26:52**
